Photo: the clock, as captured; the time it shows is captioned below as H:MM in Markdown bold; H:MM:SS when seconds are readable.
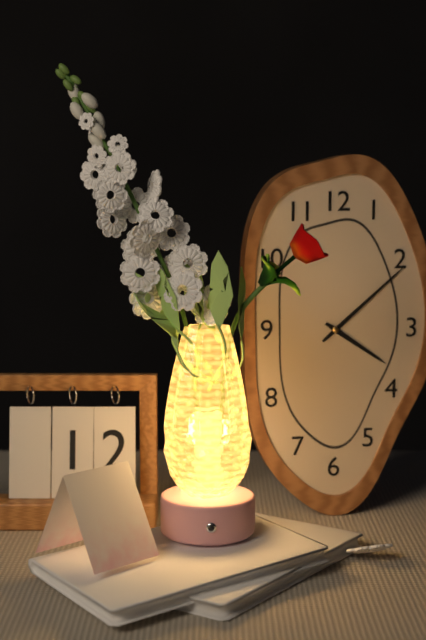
**4:08**
